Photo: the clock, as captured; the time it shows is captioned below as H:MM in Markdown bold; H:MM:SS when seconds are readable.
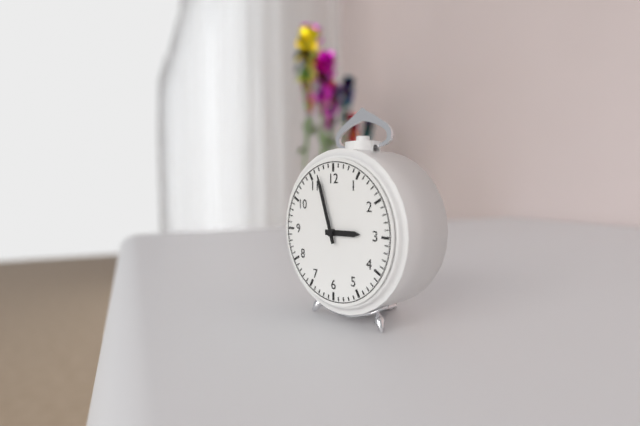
**2:57**
